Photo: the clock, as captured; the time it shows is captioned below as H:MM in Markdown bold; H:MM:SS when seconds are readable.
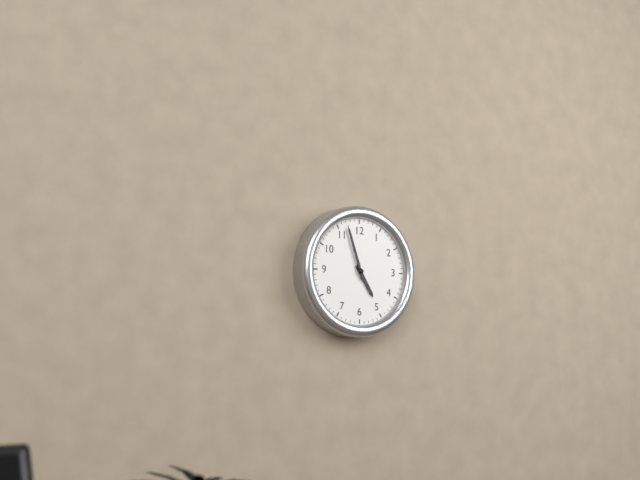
**4:57**
